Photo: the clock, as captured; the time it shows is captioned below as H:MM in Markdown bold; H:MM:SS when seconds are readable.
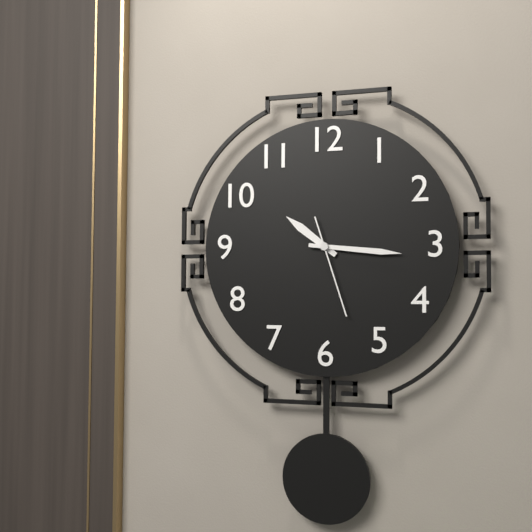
**10:16:27**
